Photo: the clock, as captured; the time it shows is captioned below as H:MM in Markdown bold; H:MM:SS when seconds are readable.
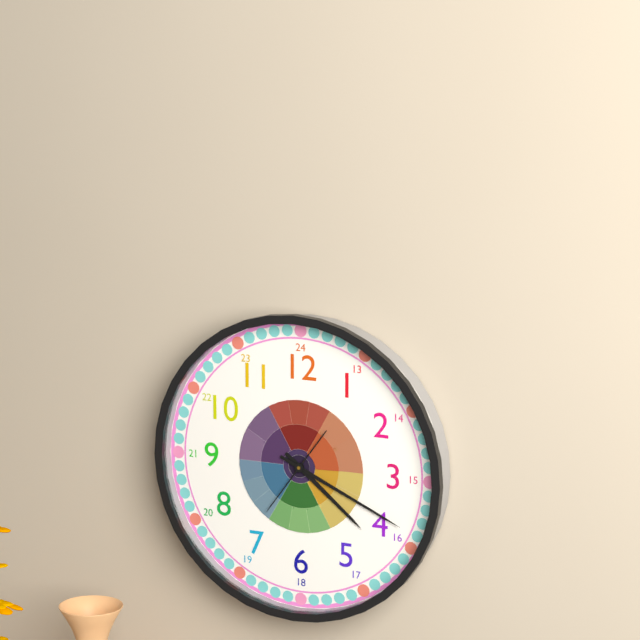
**4:19:36**
